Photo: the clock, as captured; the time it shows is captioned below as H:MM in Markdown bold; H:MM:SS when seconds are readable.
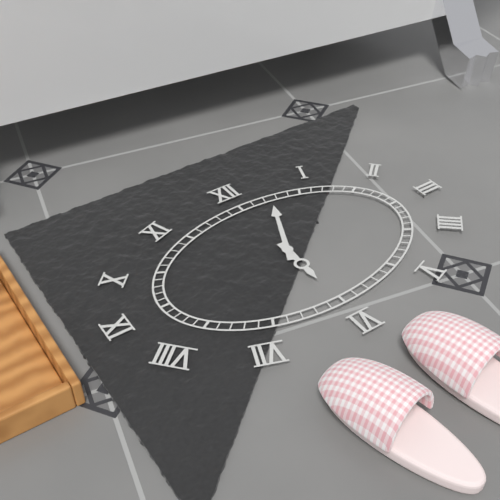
**6:04**
